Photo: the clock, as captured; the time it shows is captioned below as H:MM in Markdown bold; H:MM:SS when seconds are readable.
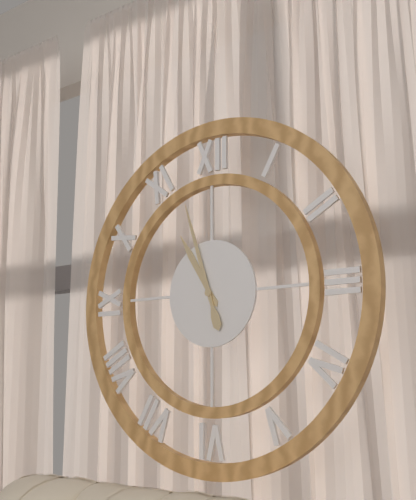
**10:57**
